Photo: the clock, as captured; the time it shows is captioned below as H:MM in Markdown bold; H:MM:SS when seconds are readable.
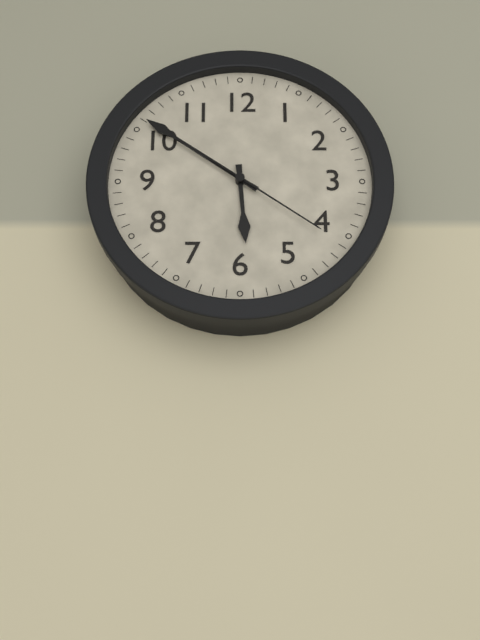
**5:51:21**
